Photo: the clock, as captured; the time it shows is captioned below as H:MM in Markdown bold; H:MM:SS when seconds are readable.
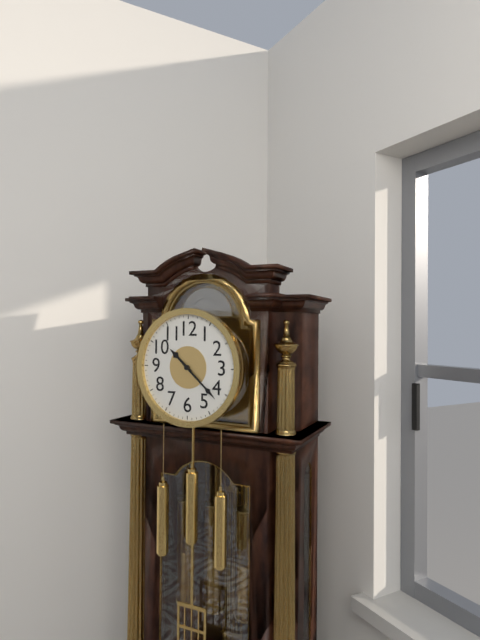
**10:22**
